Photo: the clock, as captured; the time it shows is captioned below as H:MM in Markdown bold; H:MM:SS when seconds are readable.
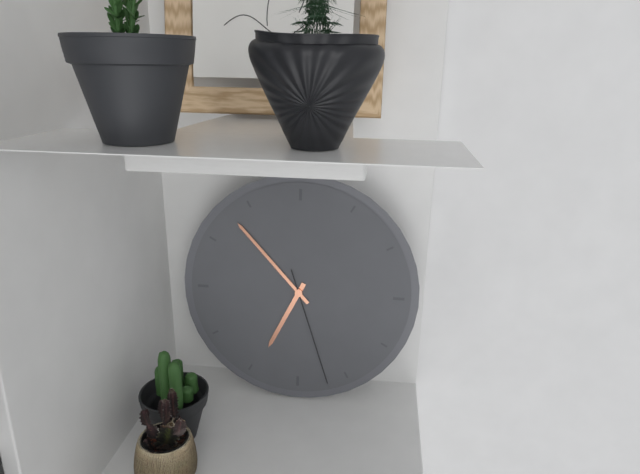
**6:53:27**
